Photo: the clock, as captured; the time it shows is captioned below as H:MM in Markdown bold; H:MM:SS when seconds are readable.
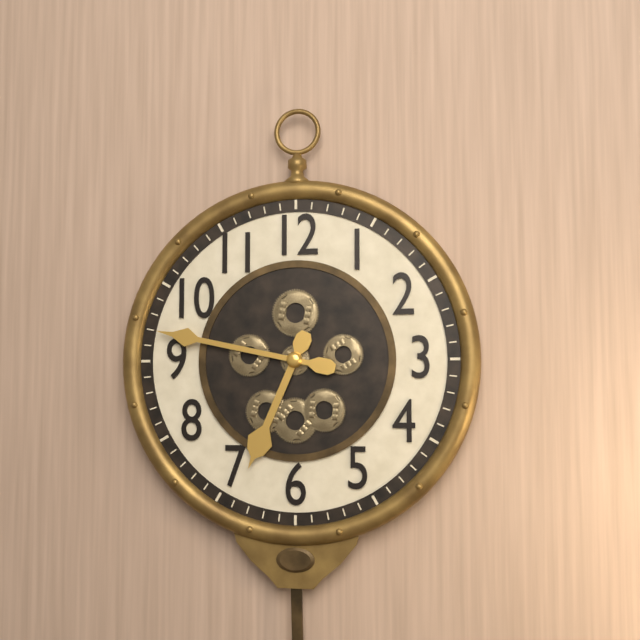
**6:47**
